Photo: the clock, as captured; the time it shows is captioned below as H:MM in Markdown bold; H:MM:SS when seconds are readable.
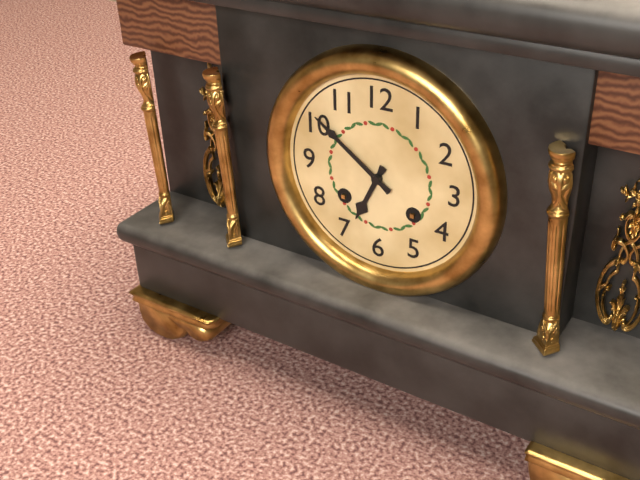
**6:51**
